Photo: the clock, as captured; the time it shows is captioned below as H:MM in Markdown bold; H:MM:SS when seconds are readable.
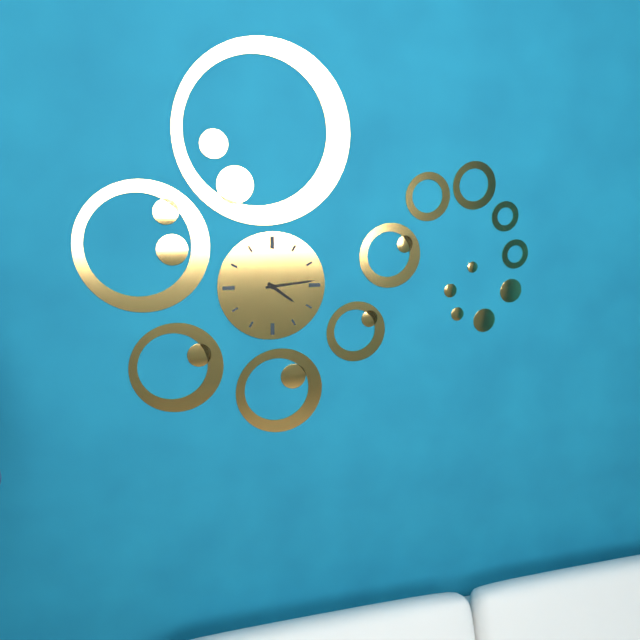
**4:14**
